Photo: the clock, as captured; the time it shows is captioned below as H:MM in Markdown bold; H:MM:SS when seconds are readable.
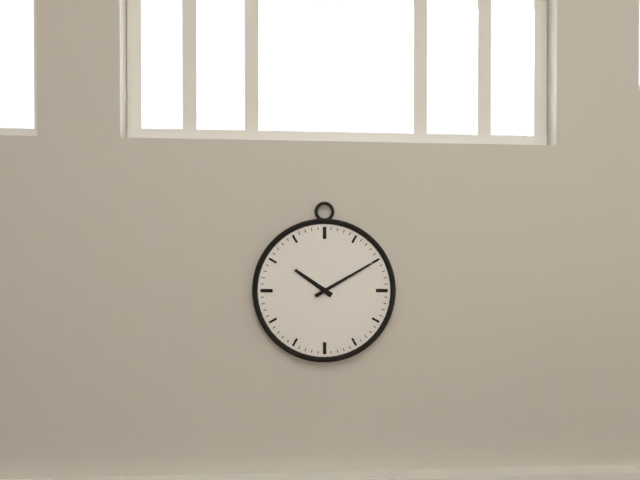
**10:10**
